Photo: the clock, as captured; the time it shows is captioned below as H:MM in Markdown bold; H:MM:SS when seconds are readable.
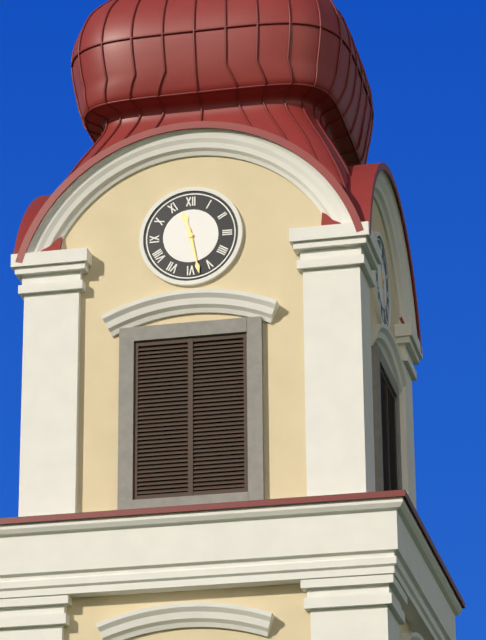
**11:28**
